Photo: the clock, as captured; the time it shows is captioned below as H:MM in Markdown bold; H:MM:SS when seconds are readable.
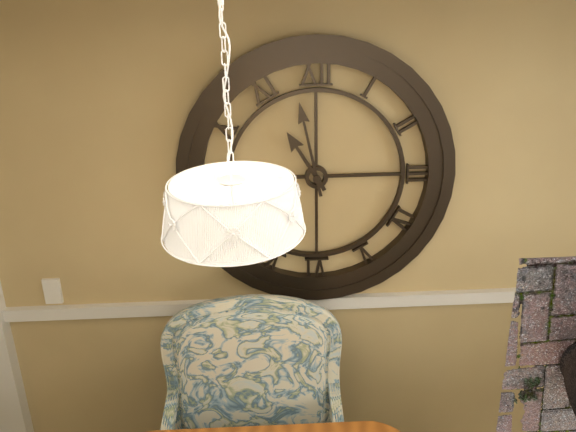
**10:58**
